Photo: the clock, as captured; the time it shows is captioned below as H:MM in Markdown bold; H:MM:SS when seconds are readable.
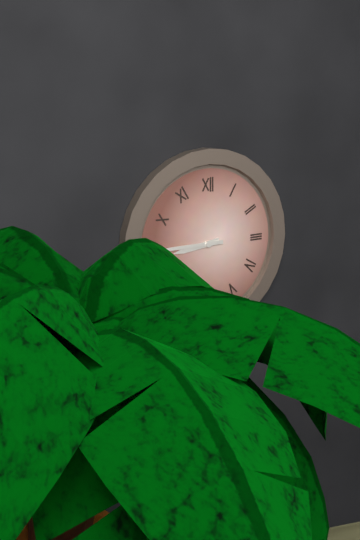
**8:45**
